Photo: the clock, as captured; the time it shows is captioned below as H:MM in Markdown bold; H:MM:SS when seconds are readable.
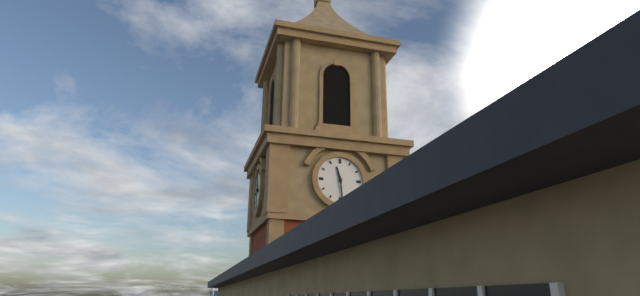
**11:29**
